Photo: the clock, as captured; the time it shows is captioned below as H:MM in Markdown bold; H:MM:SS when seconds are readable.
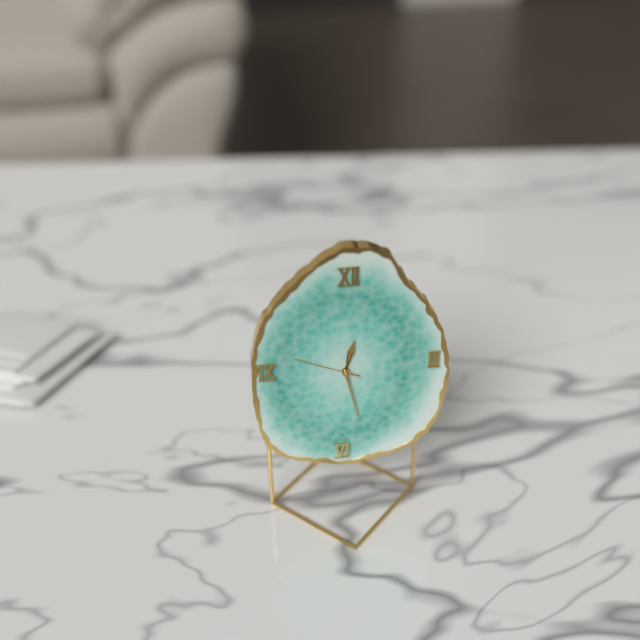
**12:28:49**
